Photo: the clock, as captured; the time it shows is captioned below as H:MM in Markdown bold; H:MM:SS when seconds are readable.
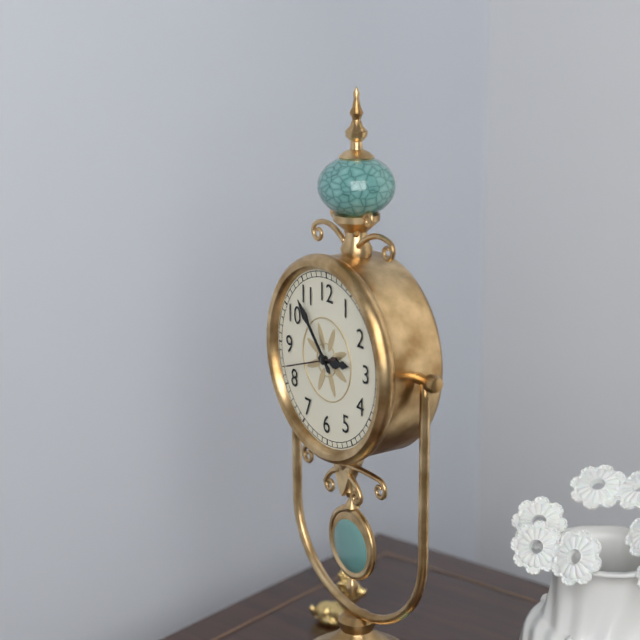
**2:53:42**
